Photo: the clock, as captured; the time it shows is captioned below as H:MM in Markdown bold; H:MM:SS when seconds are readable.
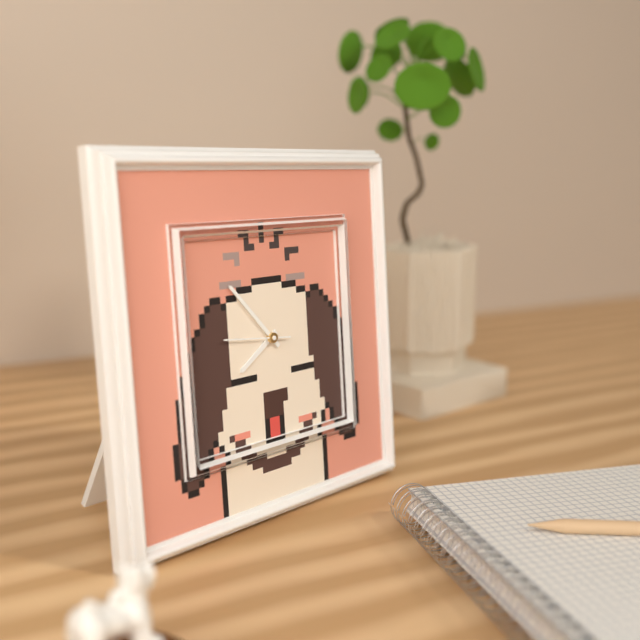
**7:53:46**
